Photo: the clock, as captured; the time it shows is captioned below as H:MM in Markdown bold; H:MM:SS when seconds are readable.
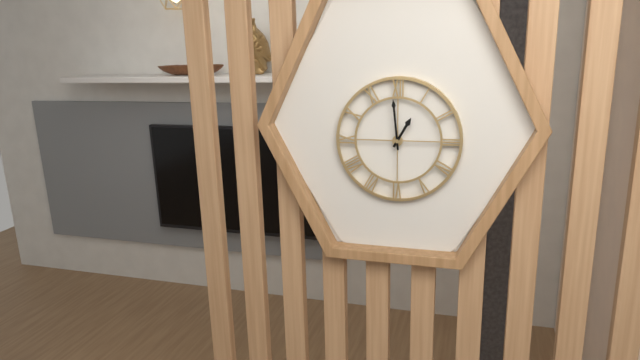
**12:59**
